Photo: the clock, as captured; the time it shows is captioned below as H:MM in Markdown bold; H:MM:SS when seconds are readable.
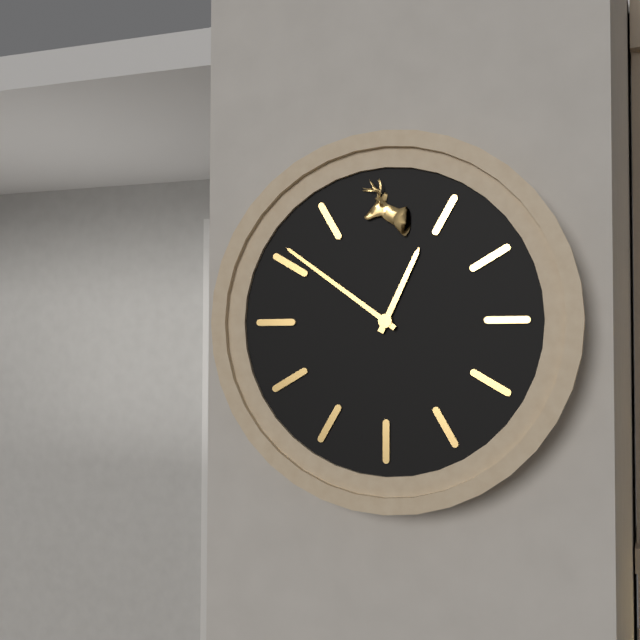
**12:51**
